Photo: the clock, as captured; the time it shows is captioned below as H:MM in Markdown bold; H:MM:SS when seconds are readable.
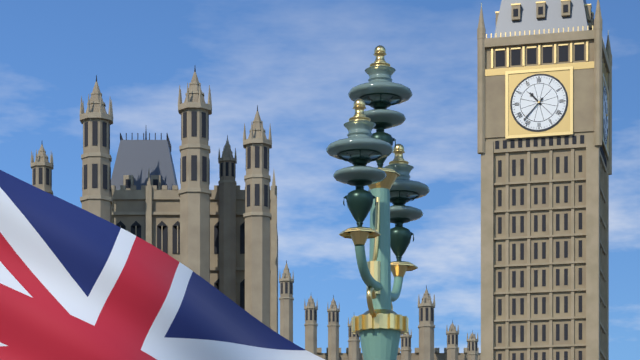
**10:37**
